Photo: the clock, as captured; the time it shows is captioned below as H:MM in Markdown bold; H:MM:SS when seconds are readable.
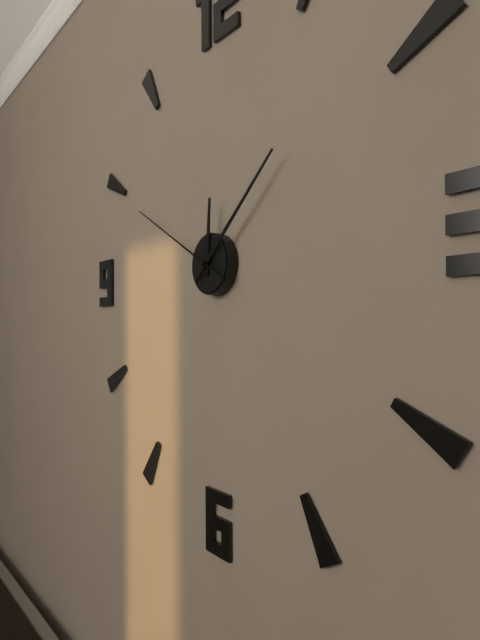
**12:08:50**
